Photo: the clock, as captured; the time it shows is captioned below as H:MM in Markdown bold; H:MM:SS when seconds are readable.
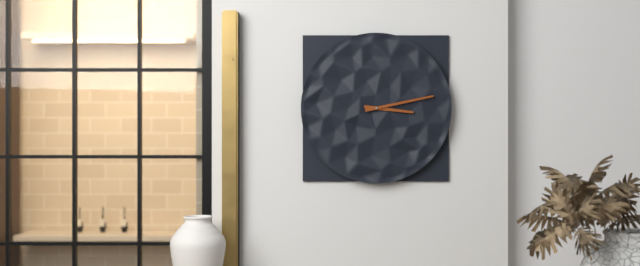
**3:13**
